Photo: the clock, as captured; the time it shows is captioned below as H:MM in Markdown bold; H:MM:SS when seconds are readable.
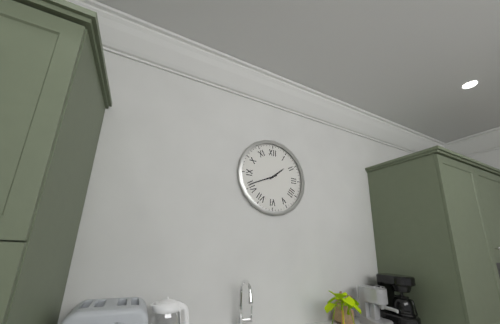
**1:41**
